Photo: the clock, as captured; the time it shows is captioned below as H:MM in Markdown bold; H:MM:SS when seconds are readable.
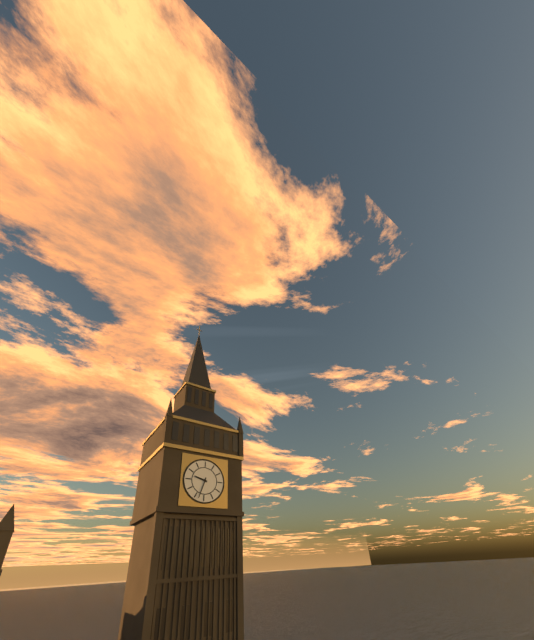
**9:33**
